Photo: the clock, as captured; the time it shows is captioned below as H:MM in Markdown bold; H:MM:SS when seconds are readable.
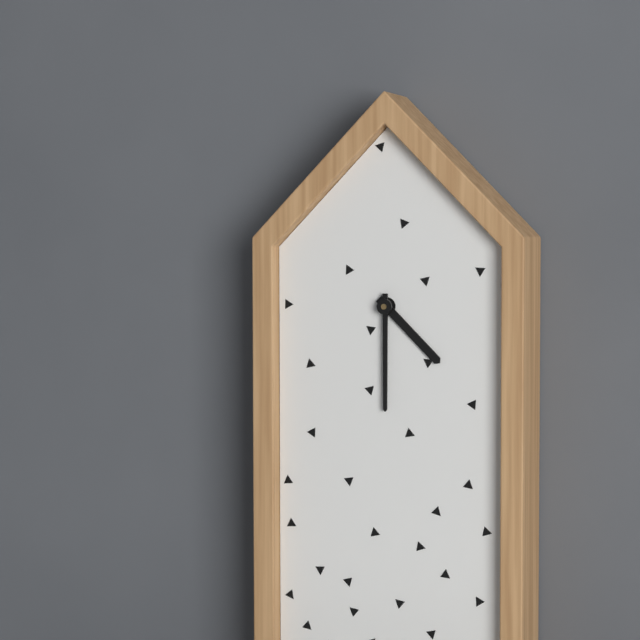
**4:30**
